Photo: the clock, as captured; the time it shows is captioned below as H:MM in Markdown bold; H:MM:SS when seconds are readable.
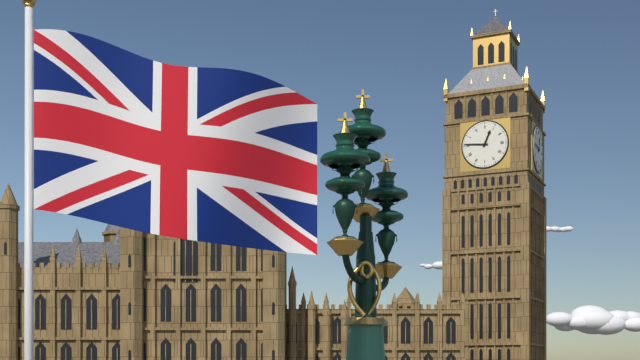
**12:46**
